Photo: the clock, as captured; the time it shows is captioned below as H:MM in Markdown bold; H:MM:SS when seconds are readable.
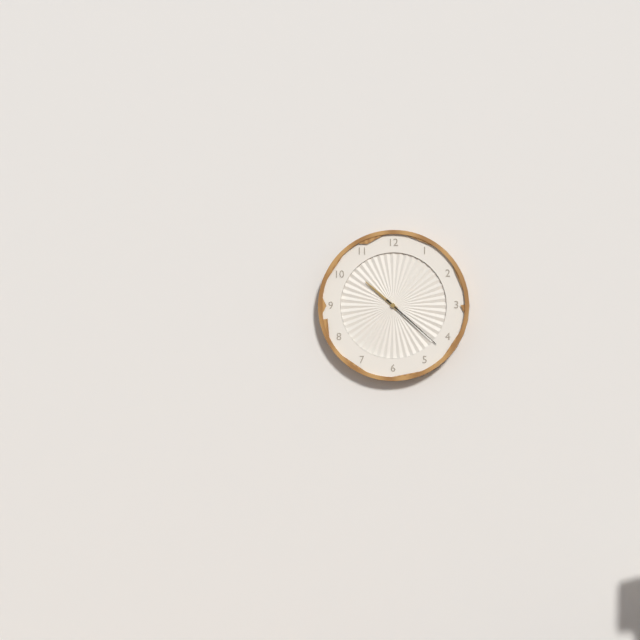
**10:22**
